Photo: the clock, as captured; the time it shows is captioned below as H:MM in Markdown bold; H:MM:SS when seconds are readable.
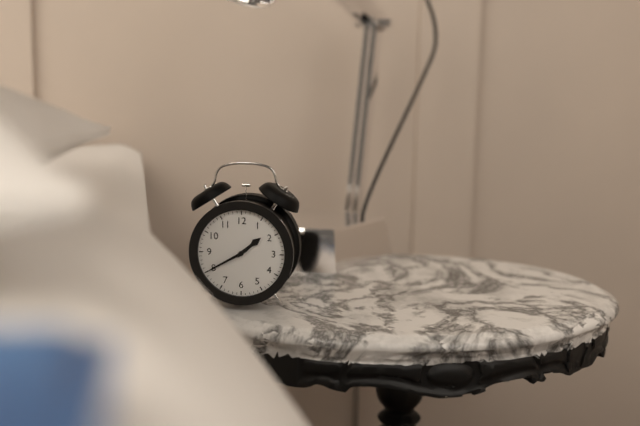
**1:40**
